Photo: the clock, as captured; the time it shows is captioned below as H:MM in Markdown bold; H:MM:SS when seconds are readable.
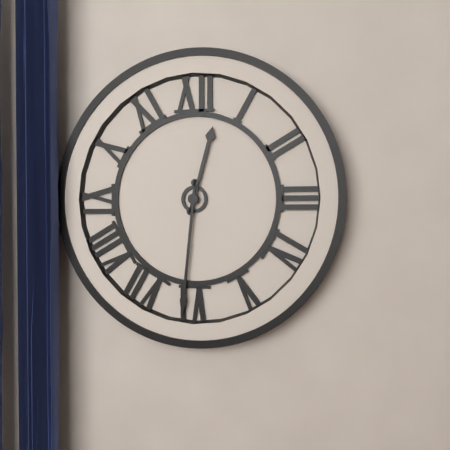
**12:31**
